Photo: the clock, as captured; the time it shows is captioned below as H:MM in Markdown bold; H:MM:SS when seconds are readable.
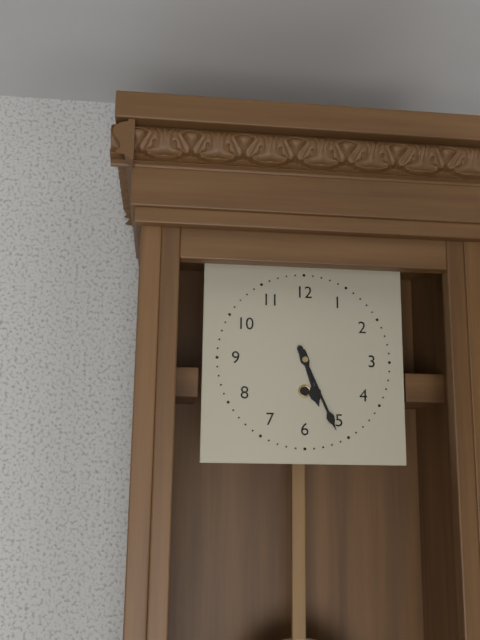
**5:26**
